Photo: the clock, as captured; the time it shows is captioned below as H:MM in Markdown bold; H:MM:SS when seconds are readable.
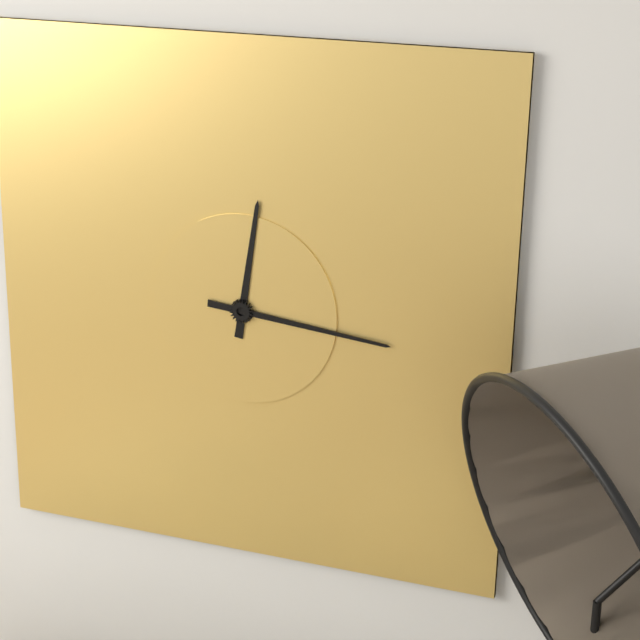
**12:16**
